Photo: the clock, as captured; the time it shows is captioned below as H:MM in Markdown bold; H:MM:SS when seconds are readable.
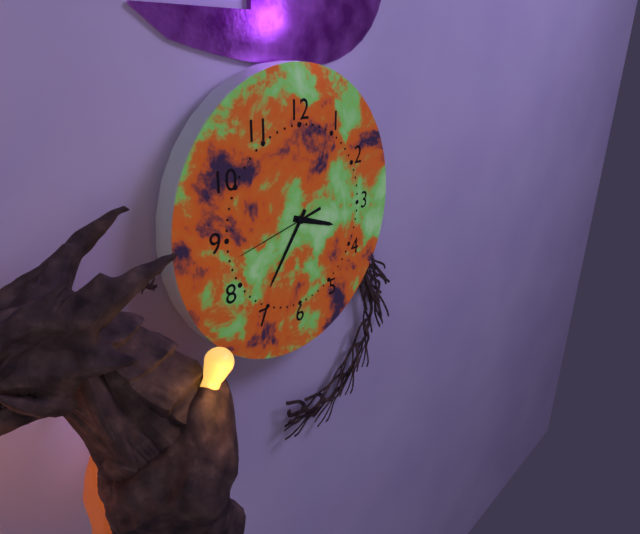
**3:36:43**
